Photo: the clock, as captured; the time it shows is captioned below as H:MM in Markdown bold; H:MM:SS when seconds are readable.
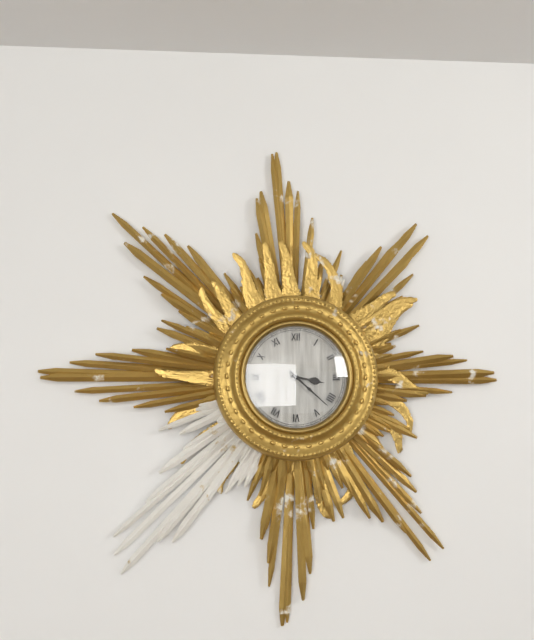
**3:22**
